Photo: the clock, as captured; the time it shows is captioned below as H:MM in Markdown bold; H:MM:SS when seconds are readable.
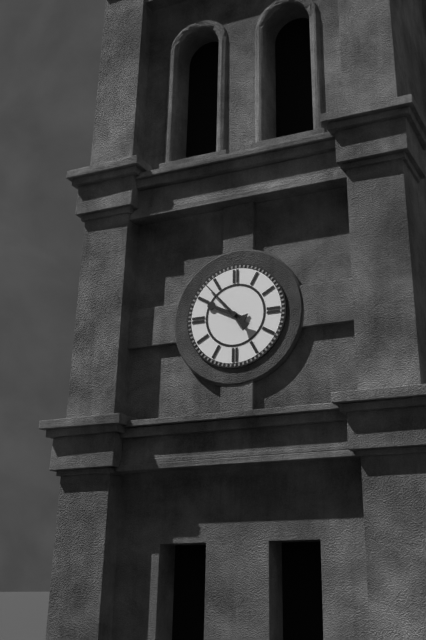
**9:53**
